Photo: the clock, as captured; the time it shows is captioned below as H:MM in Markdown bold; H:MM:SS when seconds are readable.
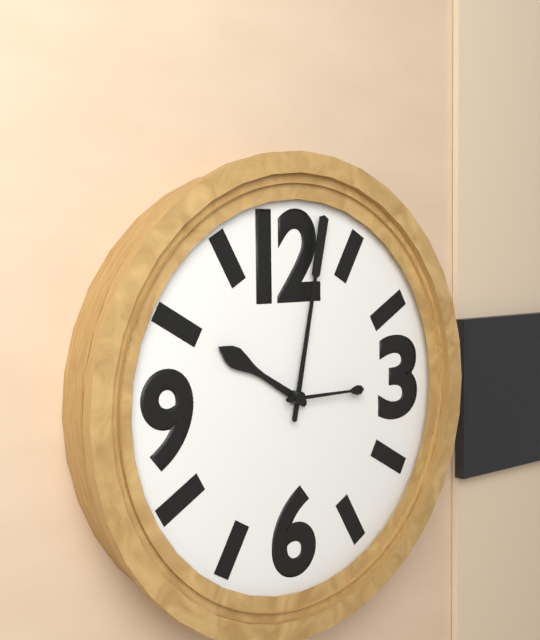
**10:02:15**
